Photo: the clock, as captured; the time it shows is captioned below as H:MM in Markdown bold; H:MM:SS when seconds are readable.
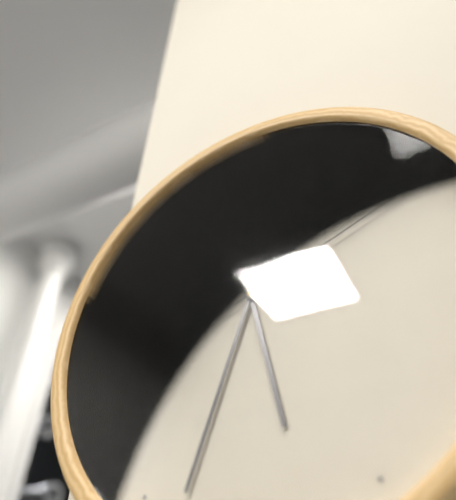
**5:33:11**
